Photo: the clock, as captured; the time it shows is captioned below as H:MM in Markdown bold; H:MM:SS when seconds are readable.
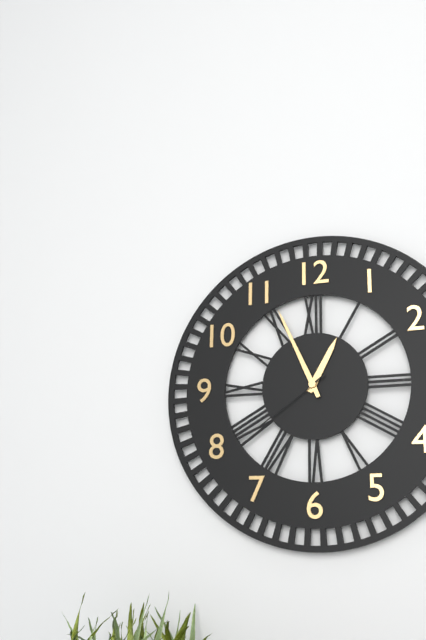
**12:56:39**
